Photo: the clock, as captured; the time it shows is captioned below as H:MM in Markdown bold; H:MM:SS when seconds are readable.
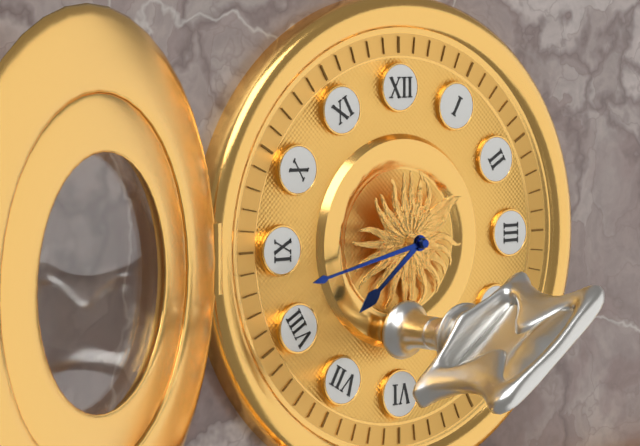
**7:43**
